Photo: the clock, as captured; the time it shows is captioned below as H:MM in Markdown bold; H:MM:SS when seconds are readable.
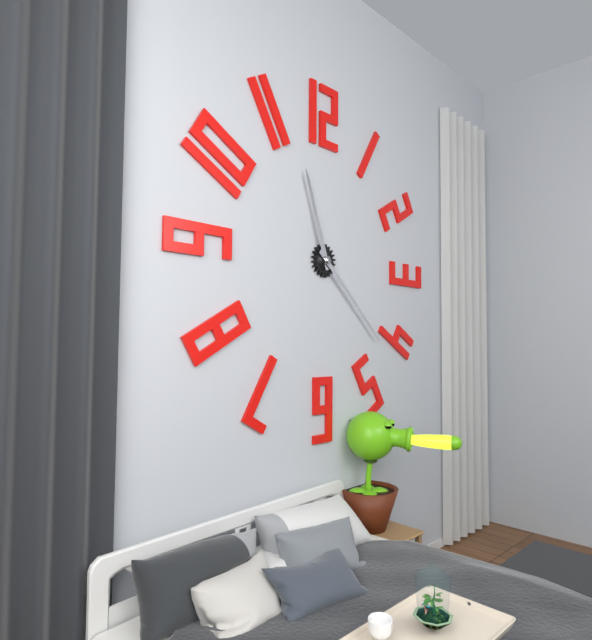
**11:22**
